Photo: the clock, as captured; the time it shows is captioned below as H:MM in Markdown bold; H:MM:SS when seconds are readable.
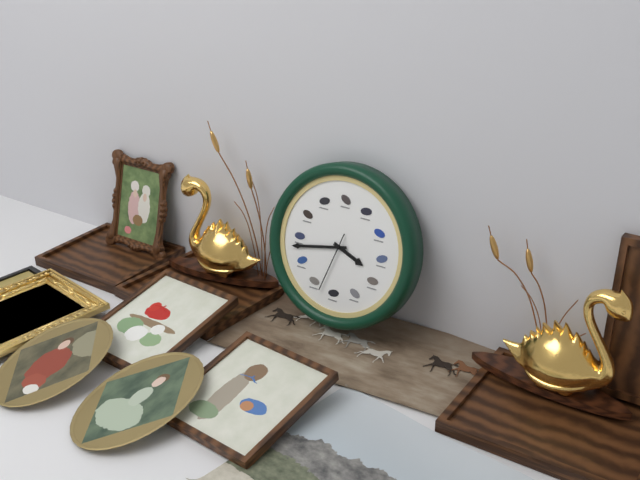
**3:43:33**
